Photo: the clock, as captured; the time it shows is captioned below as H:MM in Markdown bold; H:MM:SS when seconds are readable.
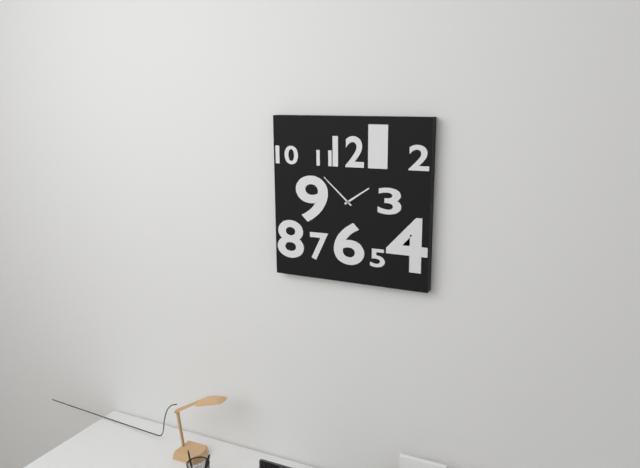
**1:52**
